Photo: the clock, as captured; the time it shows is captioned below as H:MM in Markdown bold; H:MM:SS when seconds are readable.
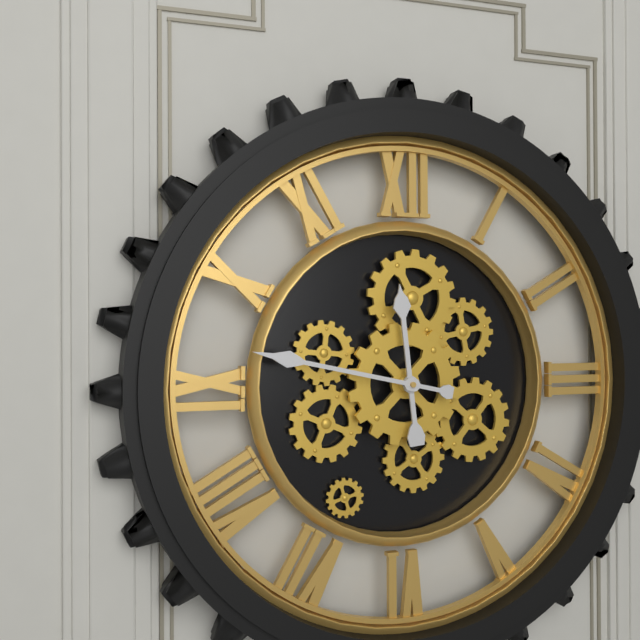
**11:47**
